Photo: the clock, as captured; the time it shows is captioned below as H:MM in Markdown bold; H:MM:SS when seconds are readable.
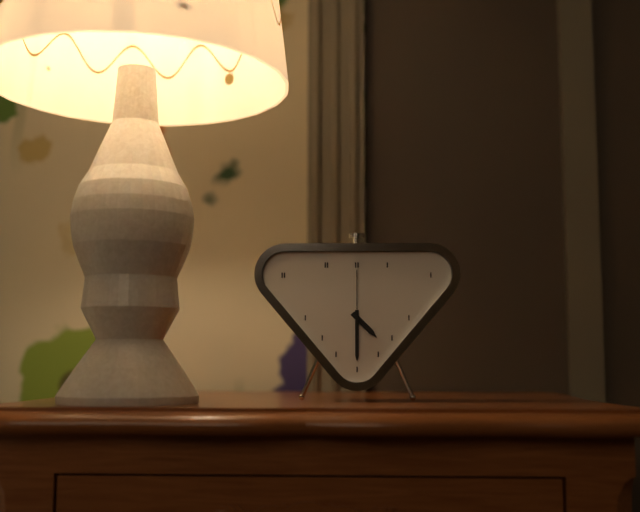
**4:30:00**
